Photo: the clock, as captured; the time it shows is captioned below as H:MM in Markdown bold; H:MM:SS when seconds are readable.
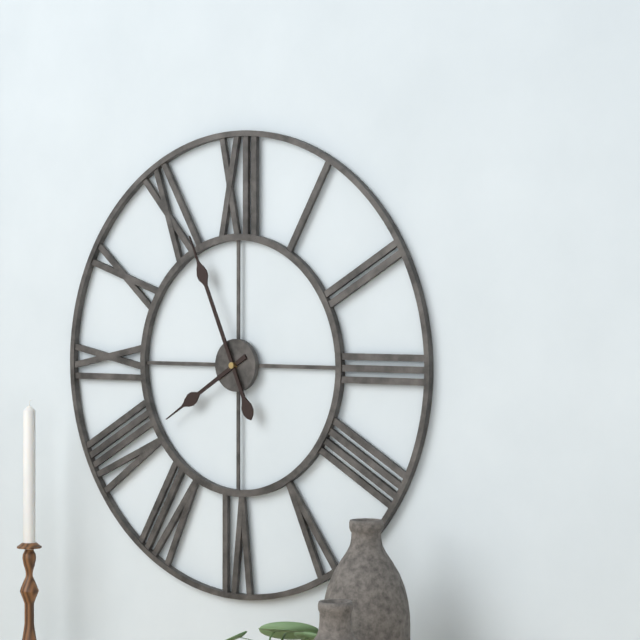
**7:56**
